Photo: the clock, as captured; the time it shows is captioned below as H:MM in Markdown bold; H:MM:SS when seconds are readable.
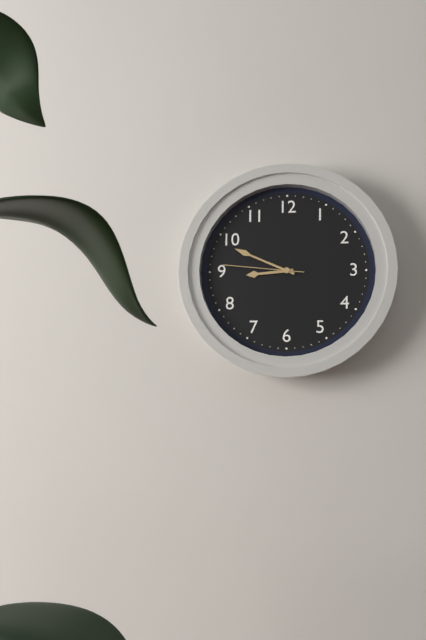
**8:49:46**
